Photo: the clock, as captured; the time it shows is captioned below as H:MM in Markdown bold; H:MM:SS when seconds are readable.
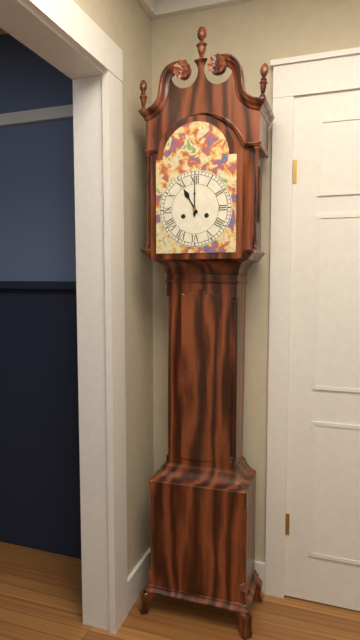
**11:00**
